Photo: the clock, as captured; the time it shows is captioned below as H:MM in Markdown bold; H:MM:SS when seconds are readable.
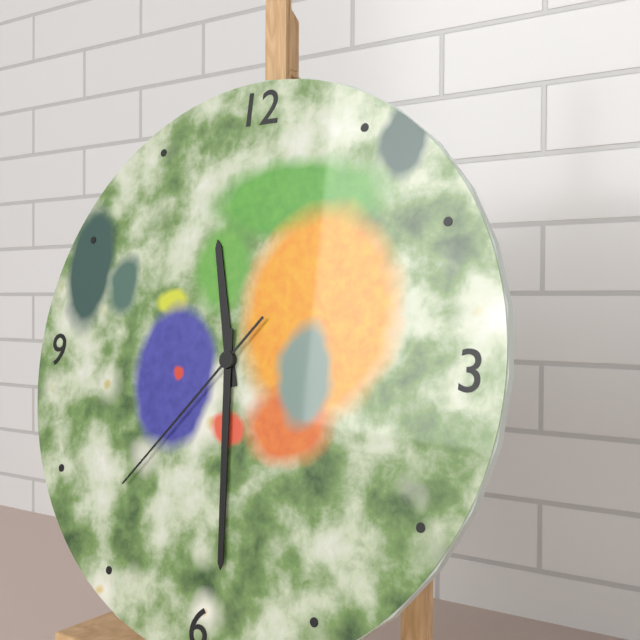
**11:29:37**
